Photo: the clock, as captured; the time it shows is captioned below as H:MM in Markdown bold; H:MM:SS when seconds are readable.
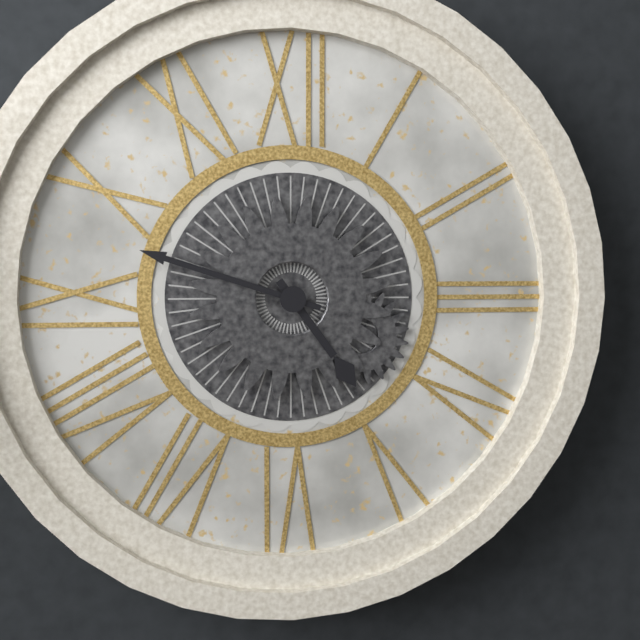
**4:48**
